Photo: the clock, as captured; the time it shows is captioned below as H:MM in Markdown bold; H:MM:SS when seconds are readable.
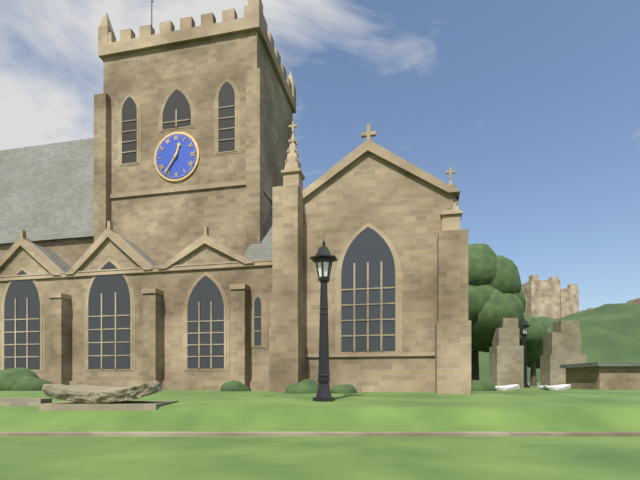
**12:36**
